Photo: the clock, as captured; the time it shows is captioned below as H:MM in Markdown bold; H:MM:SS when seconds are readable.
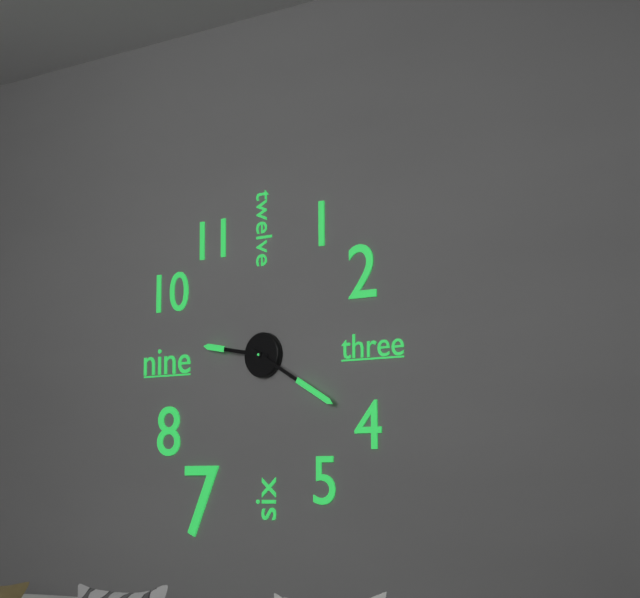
**9:20**
